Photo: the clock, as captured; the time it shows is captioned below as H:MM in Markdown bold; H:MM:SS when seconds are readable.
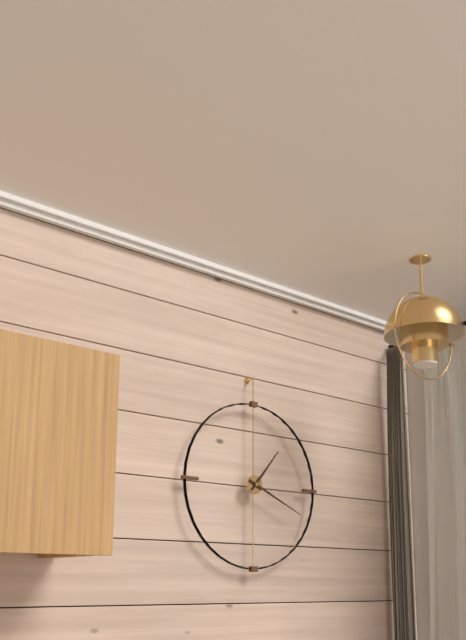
**1:19**
